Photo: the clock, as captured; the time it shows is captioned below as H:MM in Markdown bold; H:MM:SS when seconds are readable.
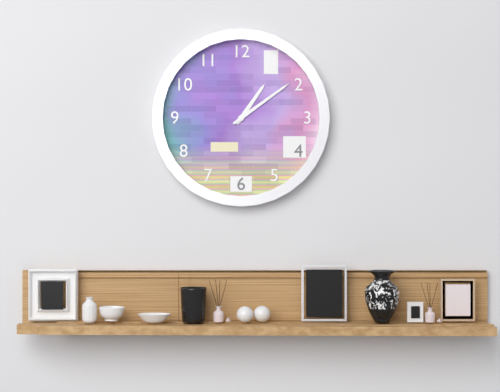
**1:09**
